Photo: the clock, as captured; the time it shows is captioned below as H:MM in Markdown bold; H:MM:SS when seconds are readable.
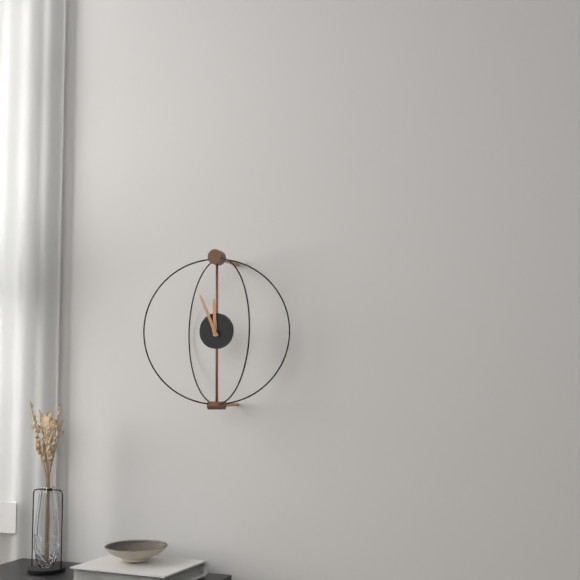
**11:56**
